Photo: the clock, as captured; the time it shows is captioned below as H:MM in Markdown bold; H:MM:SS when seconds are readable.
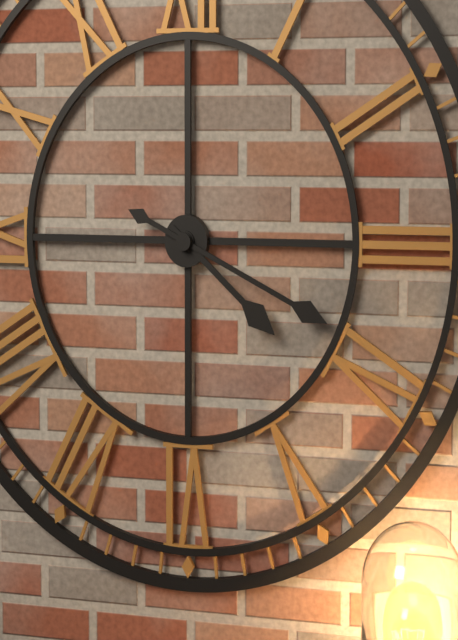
**4:19**
